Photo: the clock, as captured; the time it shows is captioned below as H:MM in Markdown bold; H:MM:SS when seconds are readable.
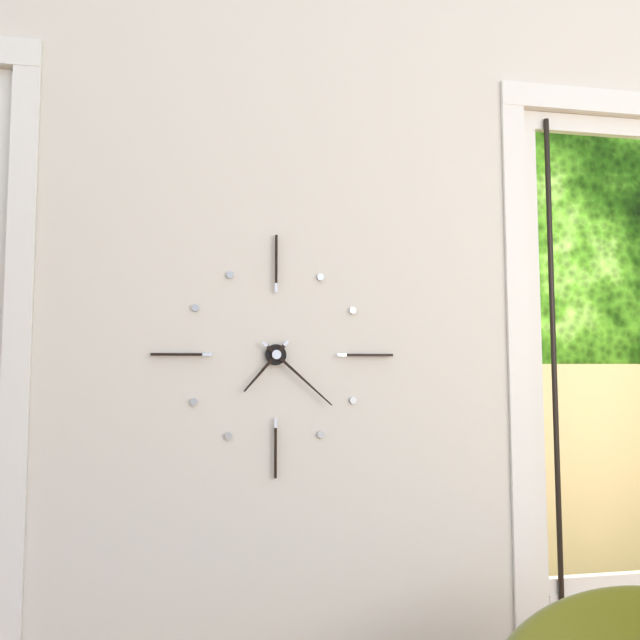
**7:22**
